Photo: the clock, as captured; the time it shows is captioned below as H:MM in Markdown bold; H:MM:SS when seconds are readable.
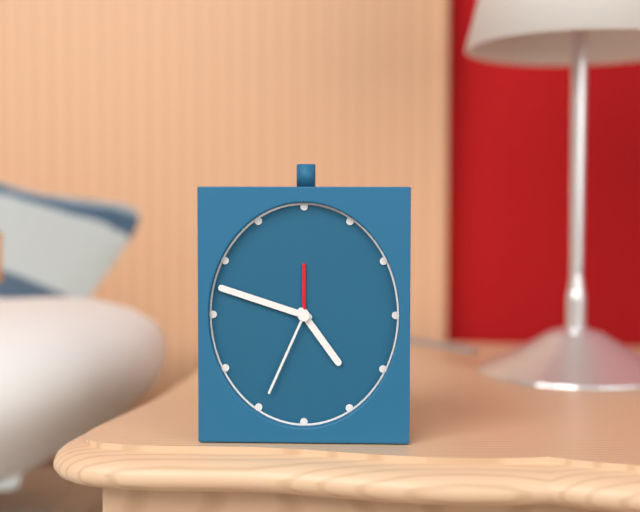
**4:48:34**
